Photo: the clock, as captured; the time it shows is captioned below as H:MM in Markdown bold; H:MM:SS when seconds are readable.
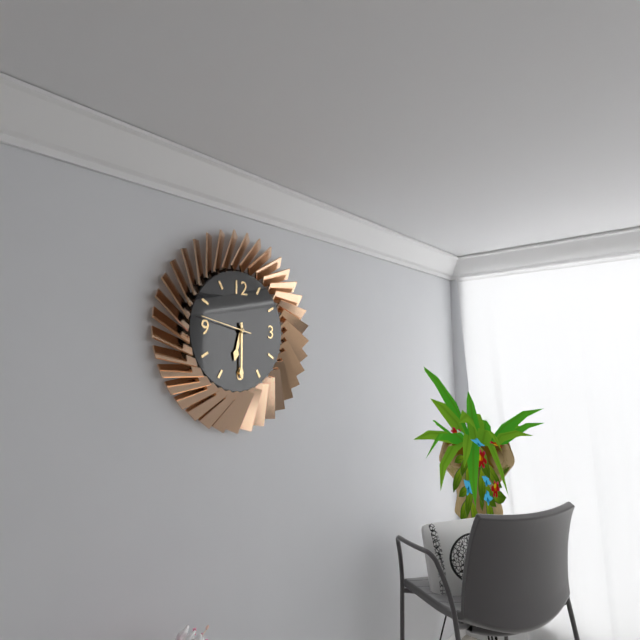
**6:30:47**
